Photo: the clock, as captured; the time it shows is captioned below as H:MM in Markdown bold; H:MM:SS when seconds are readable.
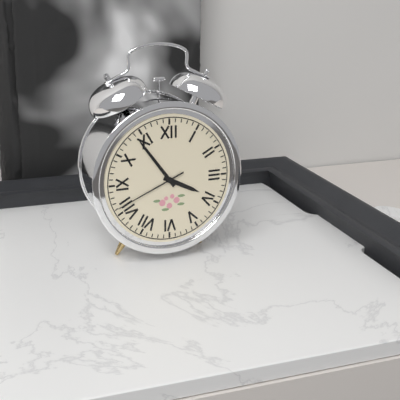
**3:54:41**
